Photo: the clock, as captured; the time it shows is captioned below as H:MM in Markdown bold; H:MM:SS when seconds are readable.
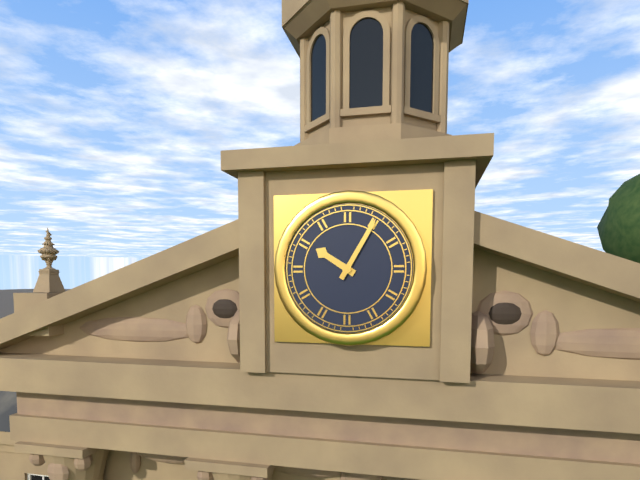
**10:05**
